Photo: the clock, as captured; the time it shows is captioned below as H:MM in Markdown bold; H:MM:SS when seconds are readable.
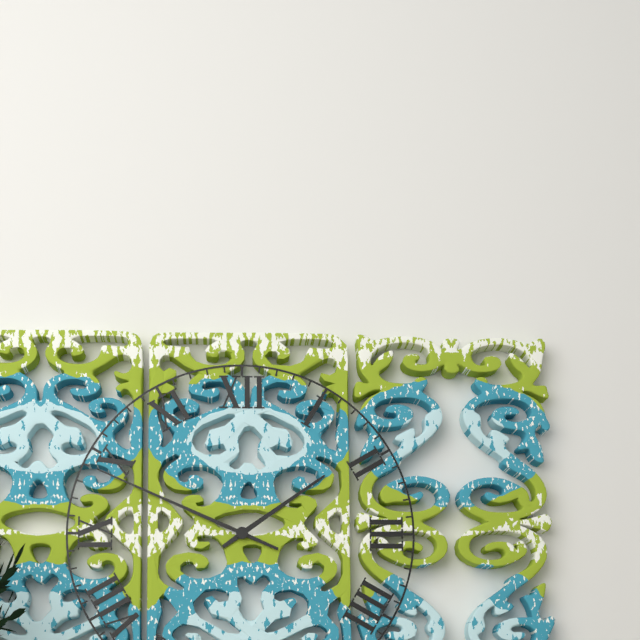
**1:49**
